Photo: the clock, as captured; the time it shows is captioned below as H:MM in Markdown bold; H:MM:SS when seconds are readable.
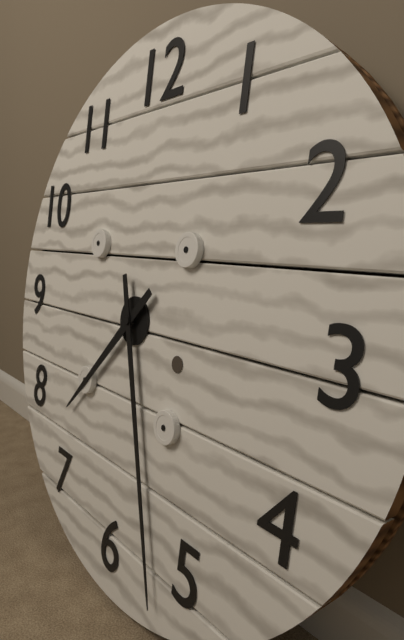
**7:27**
